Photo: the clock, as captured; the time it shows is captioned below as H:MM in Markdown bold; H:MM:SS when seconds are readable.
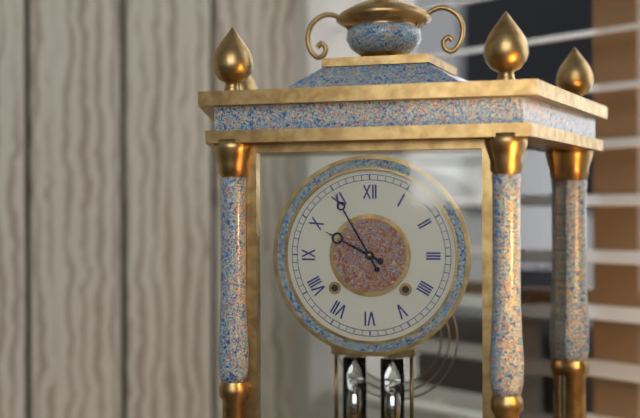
**9:55**
